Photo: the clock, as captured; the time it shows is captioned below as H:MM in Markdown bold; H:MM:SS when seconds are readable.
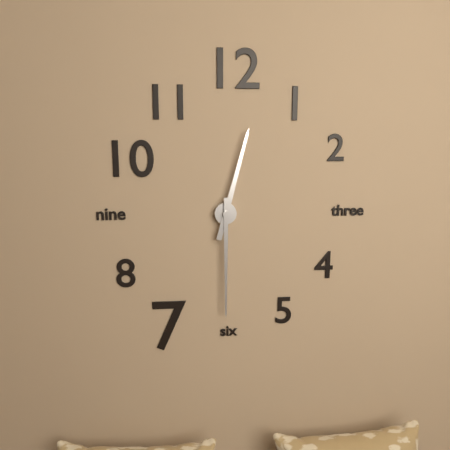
**12:30**
